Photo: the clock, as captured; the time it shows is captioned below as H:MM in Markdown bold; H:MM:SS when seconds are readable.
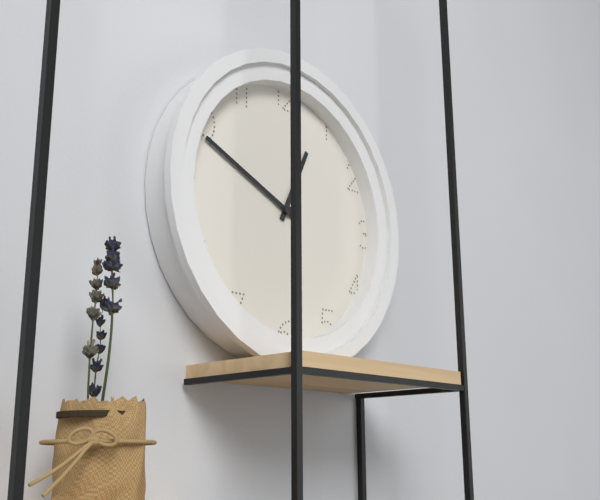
**12:49**
